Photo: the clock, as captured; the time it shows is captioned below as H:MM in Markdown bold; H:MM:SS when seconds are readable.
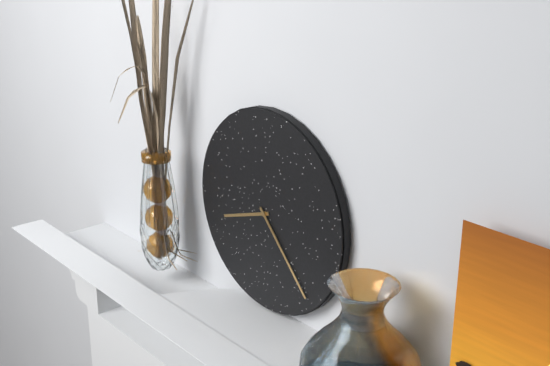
**8:23**
